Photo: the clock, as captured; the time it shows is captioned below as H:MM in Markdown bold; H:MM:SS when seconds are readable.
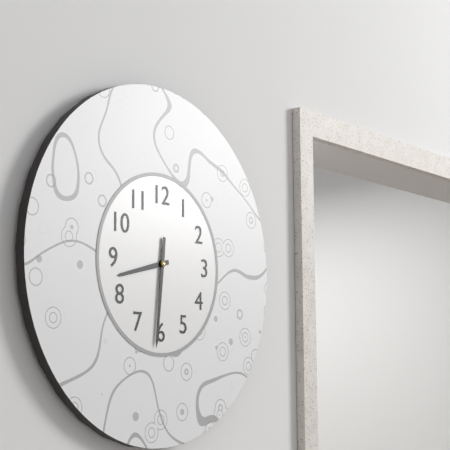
**8:31**
